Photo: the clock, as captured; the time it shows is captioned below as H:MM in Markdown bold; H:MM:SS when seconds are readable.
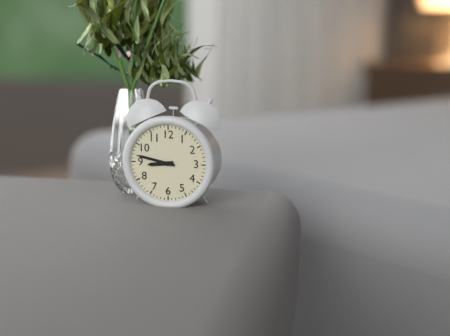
**8:47**
